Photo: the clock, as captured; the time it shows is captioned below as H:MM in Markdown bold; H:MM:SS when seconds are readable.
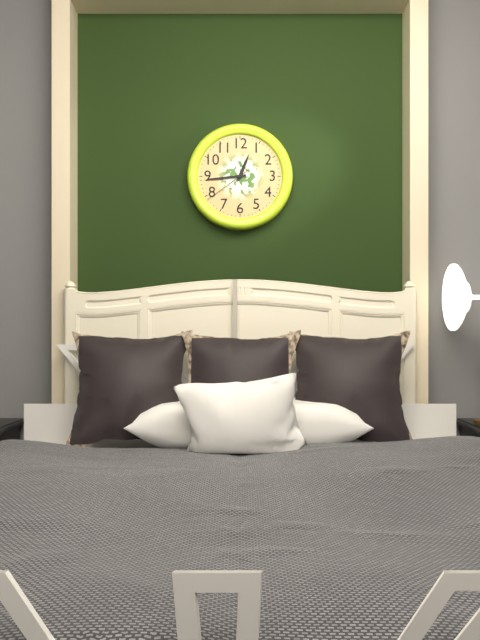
**12:44**
